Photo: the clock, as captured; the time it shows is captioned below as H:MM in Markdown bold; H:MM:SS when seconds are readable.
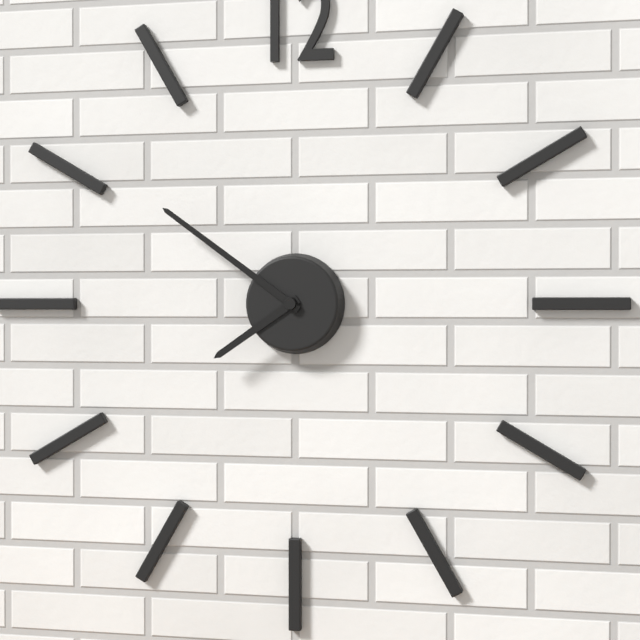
**7:51**
